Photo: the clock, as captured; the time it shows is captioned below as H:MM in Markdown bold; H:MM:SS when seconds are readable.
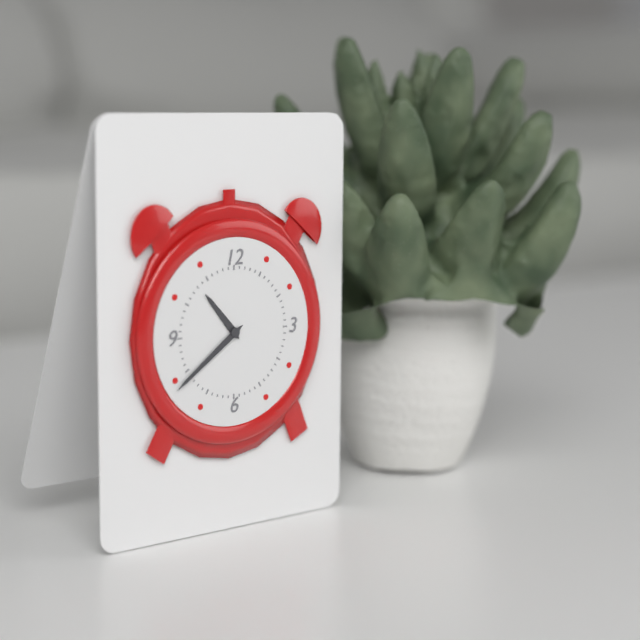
**10:39**
